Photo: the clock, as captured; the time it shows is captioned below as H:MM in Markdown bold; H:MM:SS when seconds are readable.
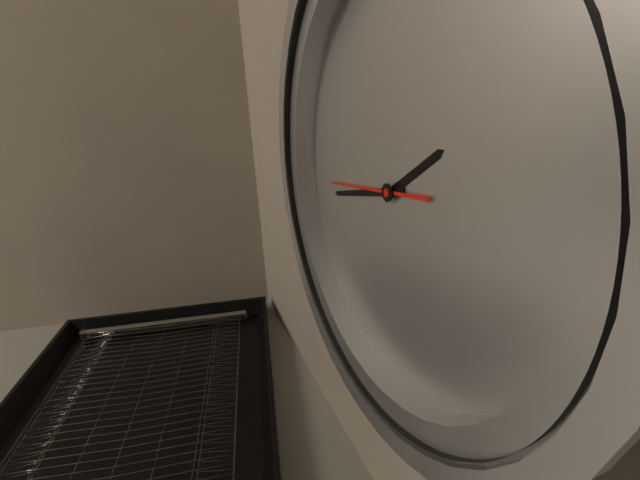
**1:42:43**
